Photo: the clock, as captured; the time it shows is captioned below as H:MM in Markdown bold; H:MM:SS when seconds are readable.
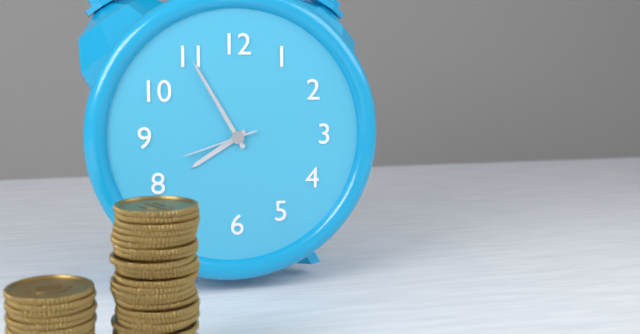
**7:55:42**
